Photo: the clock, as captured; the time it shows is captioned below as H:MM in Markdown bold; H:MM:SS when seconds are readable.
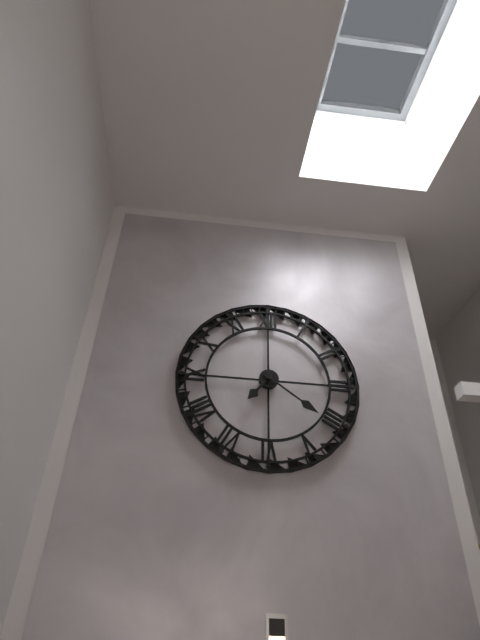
**7:21**
